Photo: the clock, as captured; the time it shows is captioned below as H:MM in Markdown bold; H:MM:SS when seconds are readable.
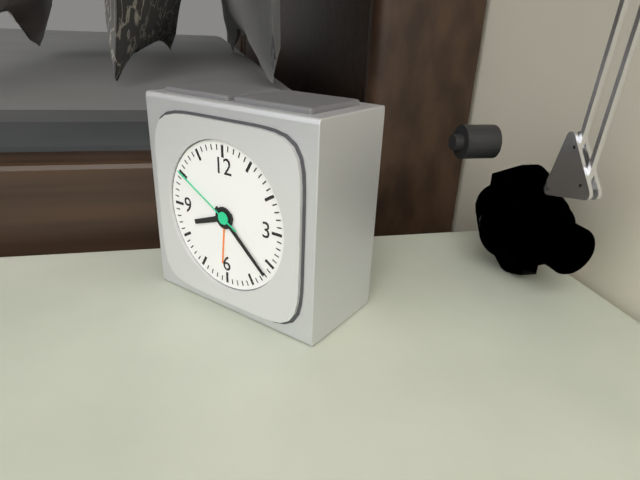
**8:22:50**
